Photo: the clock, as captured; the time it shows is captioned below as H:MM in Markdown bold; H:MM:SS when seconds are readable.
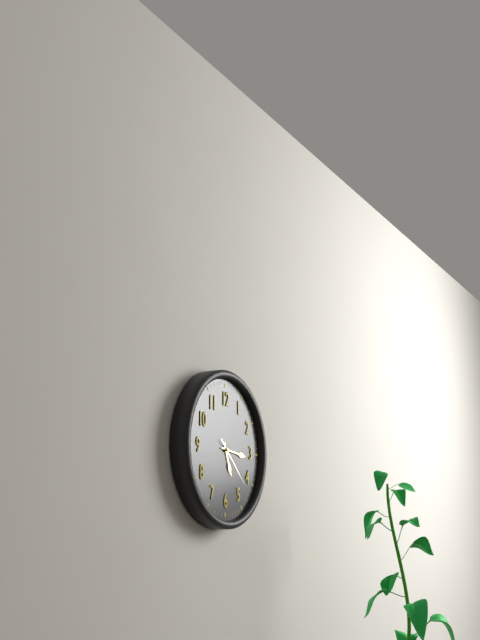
**5:16:22**
